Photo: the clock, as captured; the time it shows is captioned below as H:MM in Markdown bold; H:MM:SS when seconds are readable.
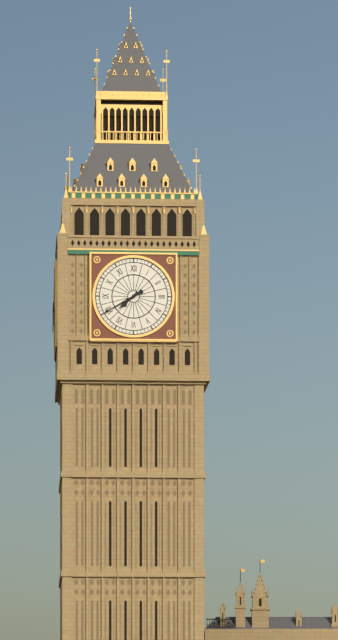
**7:40**
